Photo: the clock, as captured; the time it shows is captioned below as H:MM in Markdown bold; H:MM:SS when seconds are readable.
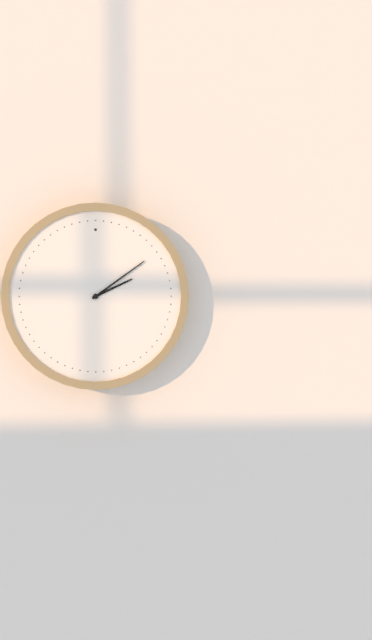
**2:09**
